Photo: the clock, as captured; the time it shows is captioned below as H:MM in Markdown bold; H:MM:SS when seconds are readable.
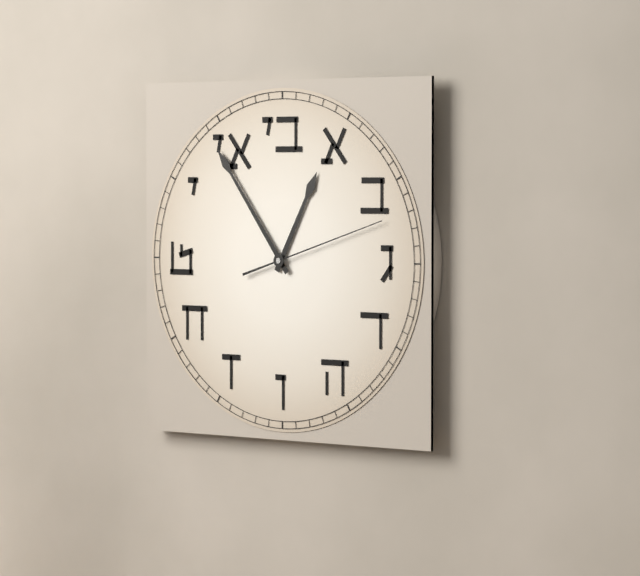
**12:54:12**
